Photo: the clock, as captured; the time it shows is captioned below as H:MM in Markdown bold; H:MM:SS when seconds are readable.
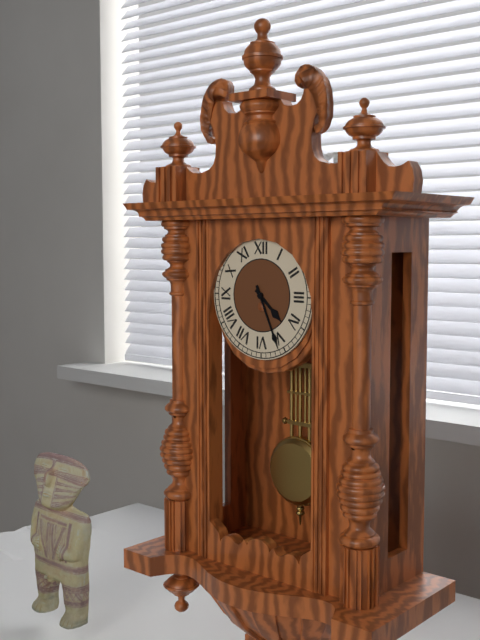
**4:26**
